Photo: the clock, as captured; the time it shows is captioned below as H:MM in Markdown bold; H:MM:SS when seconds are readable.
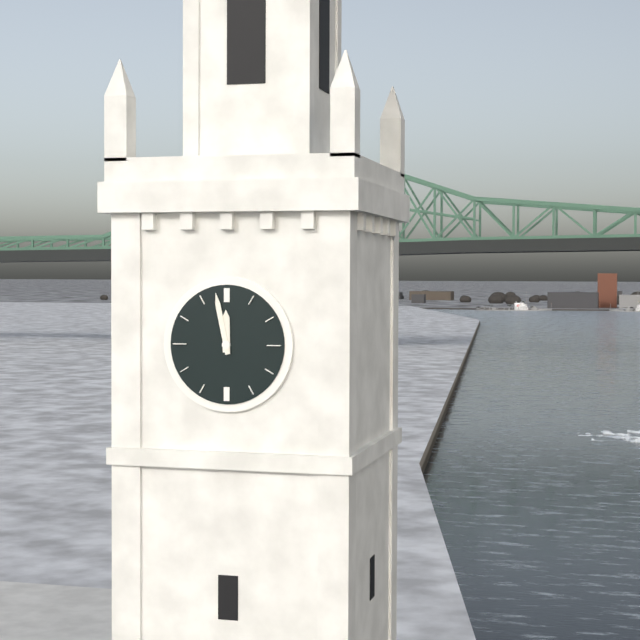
**11:58**
